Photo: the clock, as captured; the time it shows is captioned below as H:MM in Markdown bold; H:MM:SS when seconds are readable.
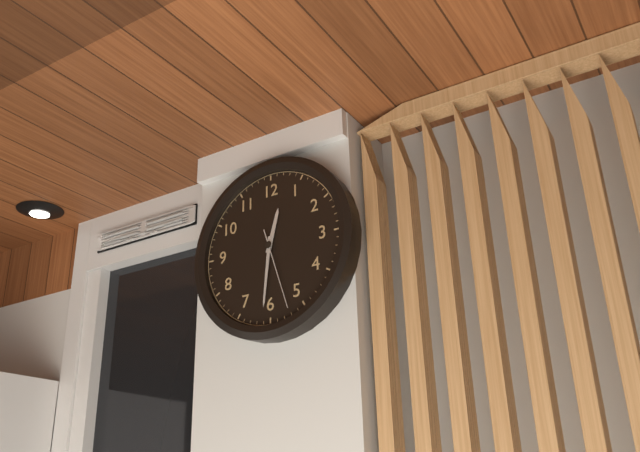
**12:31:27**
